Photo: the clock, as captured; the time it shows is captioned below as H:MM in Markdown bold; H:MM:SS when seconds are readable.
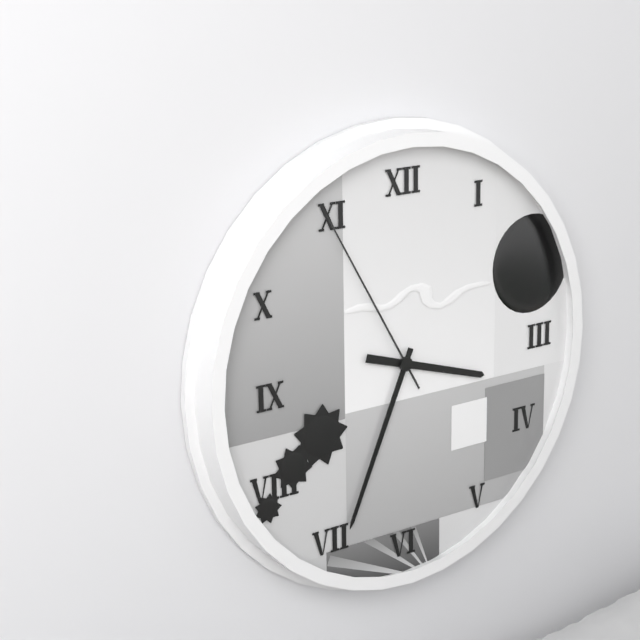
**3:34:55**
